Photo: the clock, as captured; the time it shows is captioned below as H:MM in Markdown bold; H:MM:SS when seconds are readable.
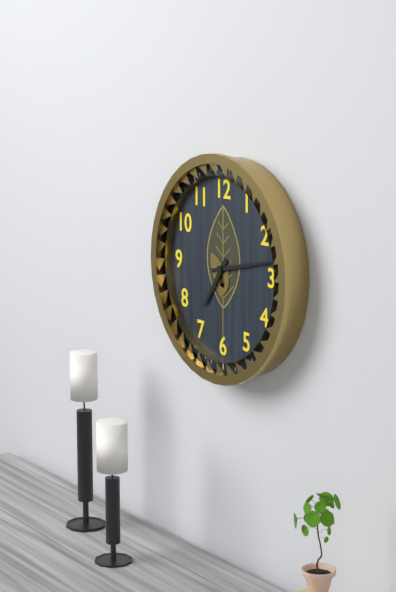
**7:13**
